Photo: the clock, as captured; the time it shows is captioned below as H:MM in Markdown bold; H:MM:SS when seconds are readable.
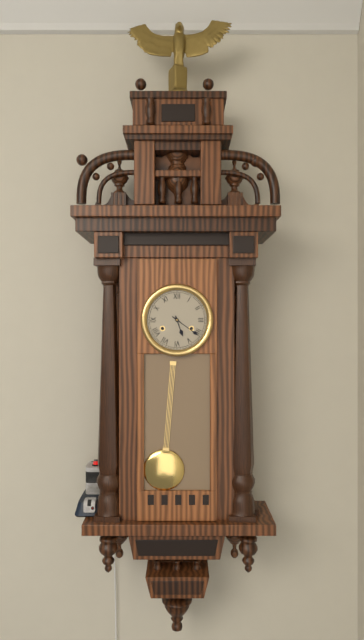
**5:21**
